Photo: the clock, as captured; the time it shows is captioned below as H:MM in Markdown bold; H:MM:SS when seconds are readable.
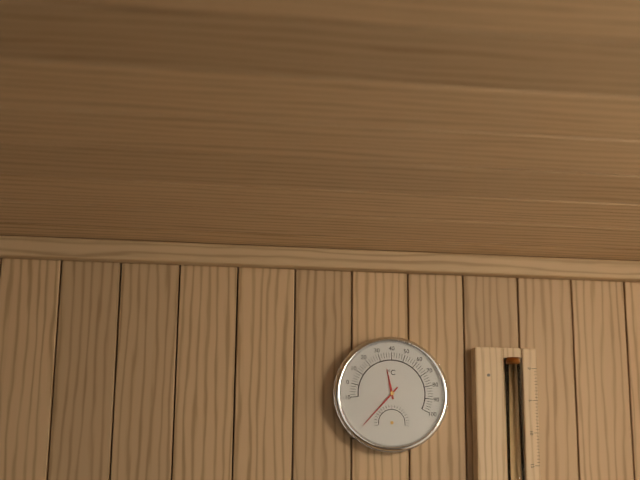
**11:37**
